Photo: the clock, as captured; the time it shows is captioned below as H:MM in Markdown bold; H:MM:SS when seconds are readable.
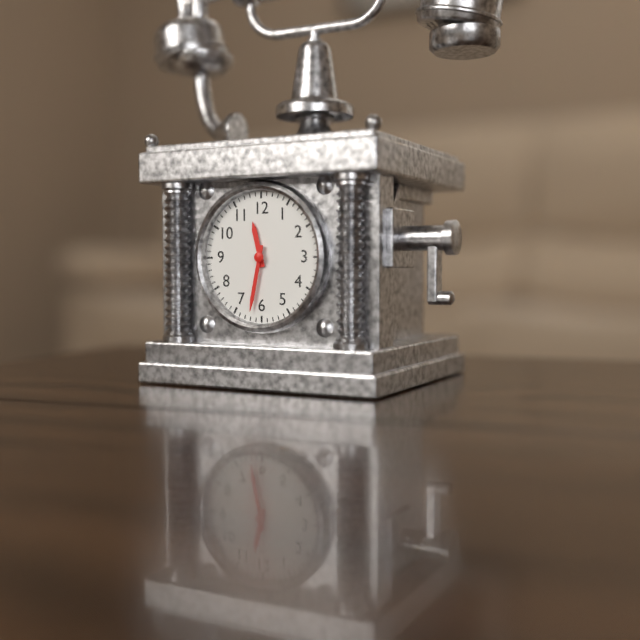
**11:32**
